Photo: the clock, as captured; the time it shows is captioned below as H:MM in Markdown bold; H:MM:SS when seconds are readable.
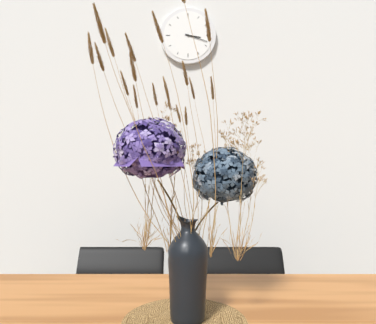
**3:18**
